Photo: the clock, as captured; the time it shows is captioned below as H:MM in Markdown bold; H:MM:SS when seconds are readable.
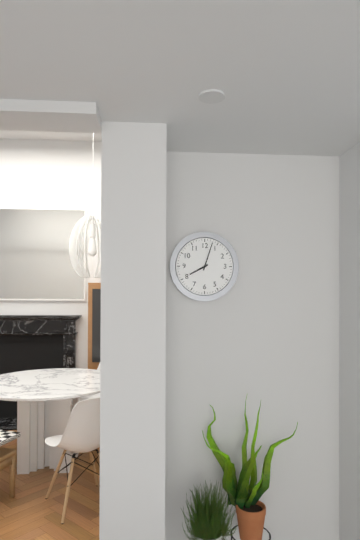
**8:03**
